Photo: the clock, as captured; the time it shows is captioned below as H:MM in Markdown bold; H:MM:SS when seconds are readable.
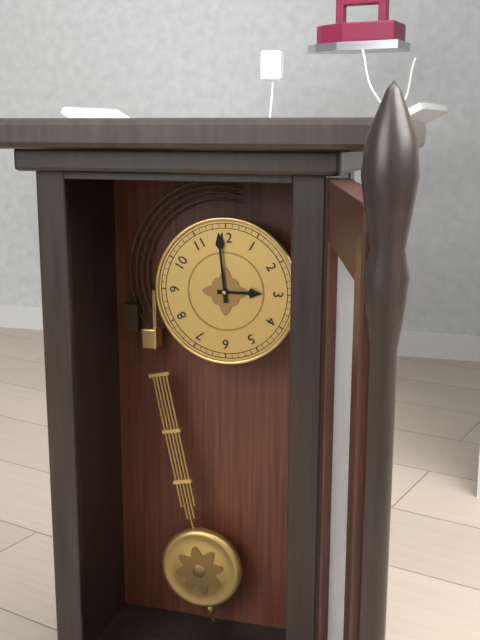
**2:59**
